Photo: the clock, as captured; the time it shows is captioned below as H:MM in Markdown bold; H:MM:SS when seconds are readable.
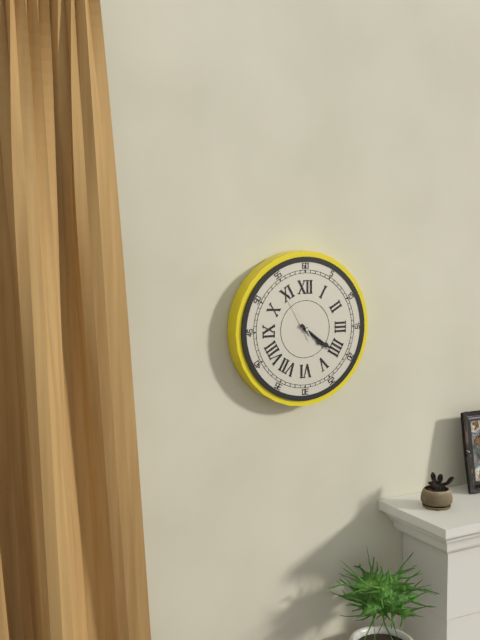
**4:21**
